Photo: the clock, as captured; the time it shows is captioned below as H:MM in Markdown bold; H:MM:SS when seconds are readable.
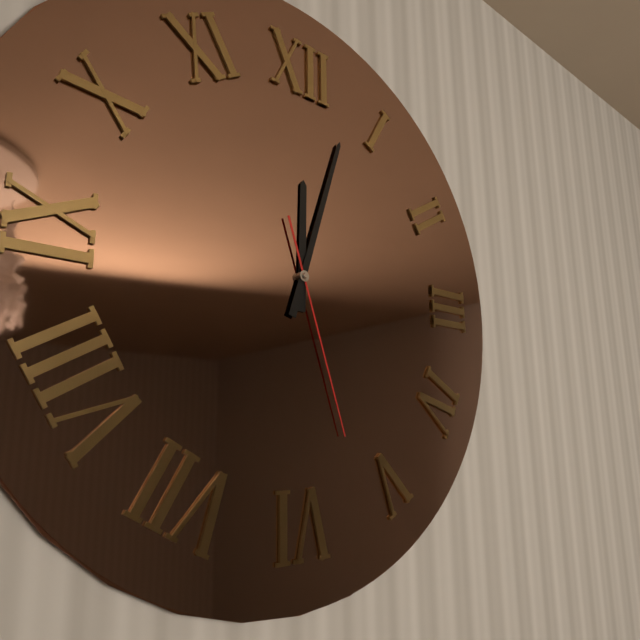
**12:03:27**
